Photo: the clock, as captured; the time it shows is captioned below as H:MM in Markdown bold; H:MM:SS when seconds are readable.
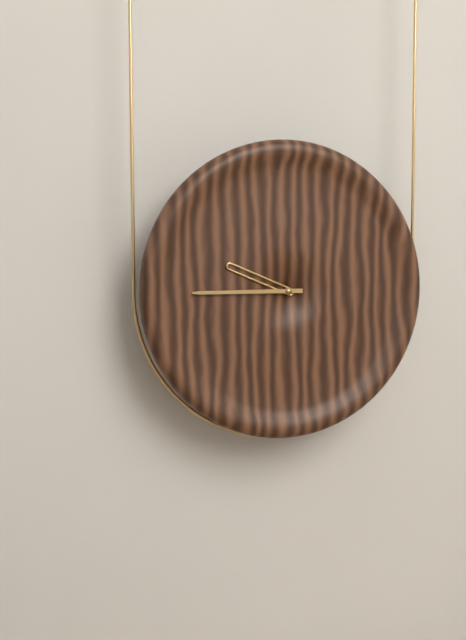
**9:45**
